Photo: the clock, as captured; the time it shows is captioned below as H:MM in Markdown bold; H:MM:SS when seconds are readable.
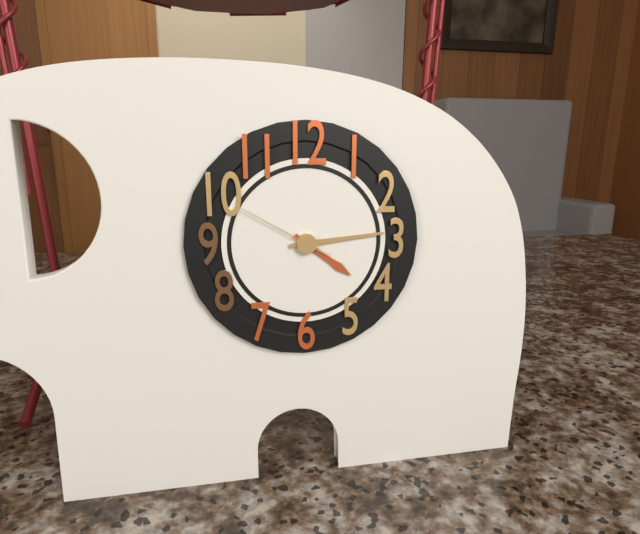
**4:14:50**
